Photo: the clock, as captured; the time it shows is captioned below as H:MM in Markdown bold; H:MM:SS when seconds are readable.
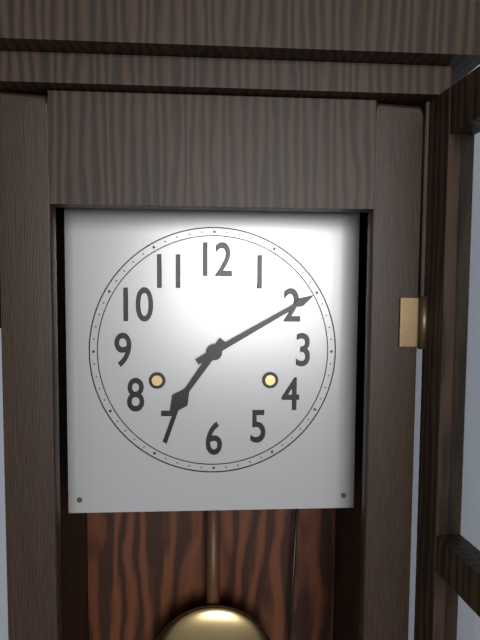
**7:10**
